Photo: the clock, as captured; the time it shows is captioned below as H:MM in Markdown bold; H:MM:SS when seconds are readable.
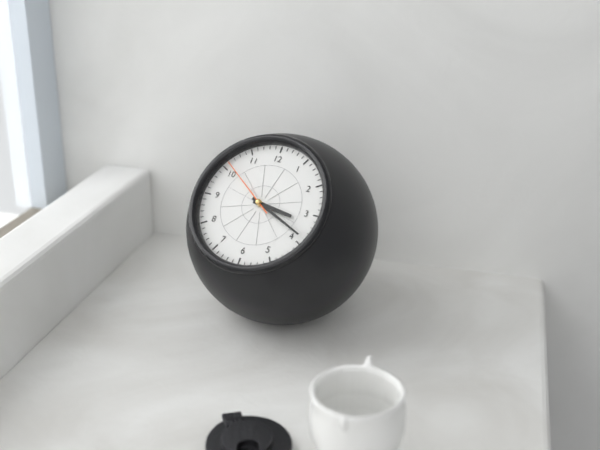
**3:19:51**
